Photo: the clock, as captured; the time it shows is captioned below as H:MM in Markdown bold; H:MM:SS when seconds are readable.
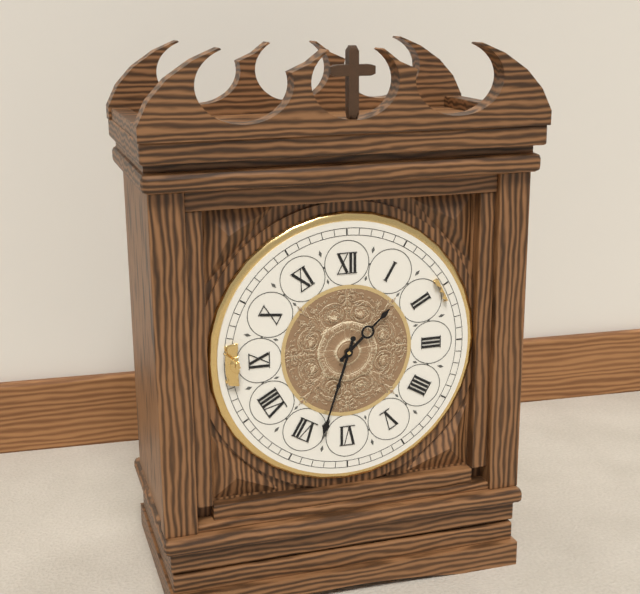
**1:33**
